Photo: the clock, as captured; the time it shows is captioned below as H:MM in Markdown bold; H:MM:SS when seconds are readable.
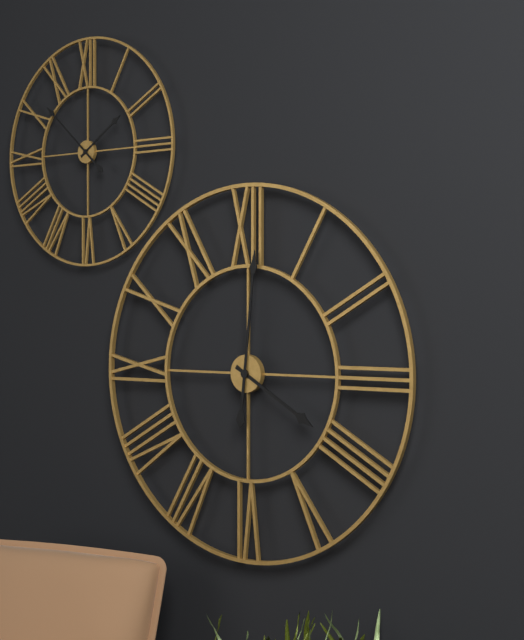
**4:01**
